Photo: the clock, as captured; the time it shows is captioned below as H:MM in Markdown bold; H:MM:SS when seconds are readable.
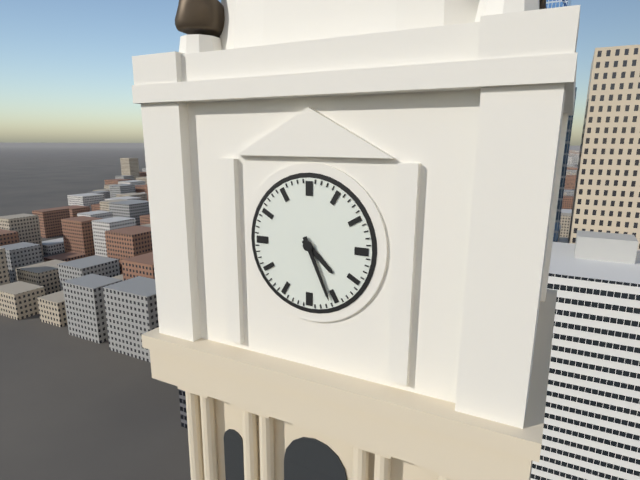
**4:26**
